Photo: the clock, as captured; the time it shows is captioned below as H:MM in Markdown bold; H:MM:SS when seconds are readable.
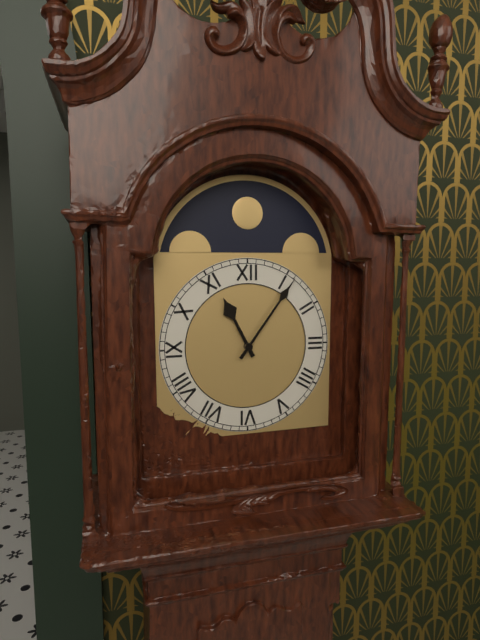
**11:06**
